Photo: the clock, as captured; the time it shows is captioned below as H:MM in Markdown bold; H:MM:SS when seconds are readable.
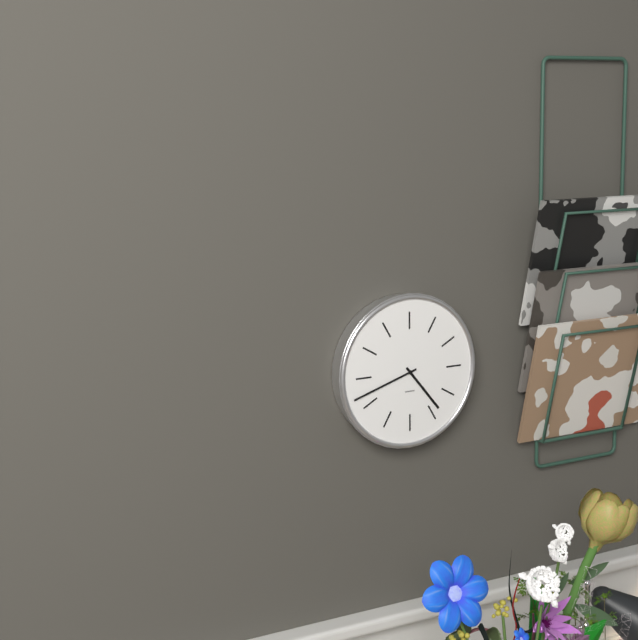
**4:42**
